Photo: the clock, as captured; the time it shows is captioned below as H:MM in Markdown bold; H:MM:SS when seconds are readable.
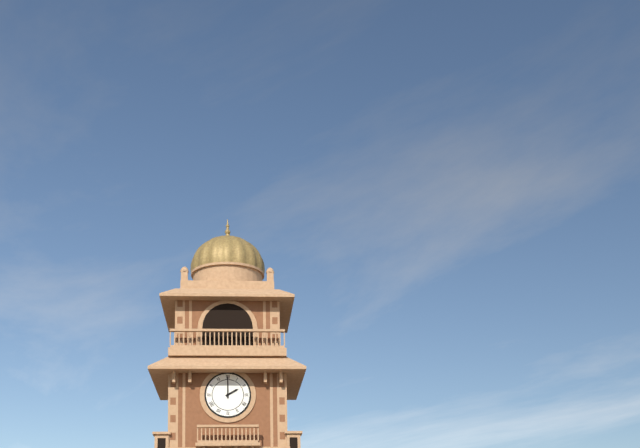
**2:00**
